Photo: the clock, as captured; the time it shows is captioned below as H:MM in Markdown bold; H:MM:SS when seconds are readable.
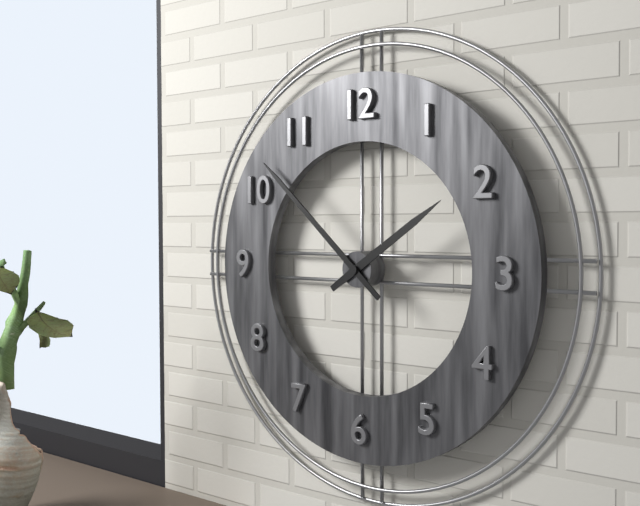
**1:52**
